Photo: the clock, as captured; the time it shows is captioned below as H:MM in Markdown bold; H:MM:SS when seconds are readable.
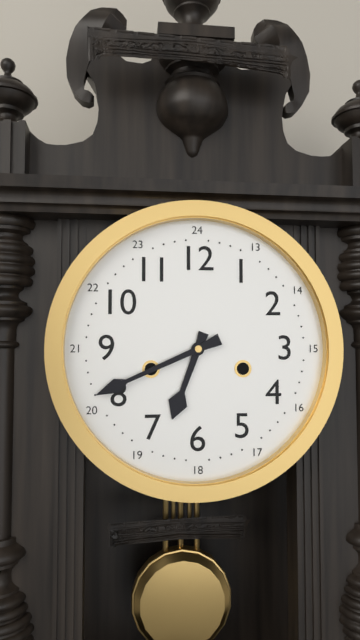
**6:41**
